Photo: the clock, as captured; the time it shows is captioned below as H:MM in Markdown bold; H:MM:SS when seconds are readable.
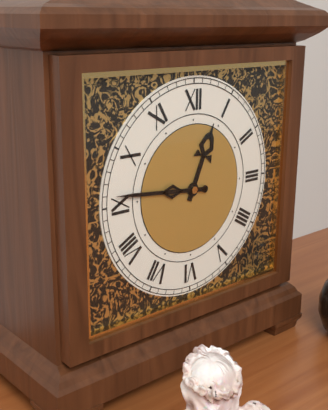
**12:46**
